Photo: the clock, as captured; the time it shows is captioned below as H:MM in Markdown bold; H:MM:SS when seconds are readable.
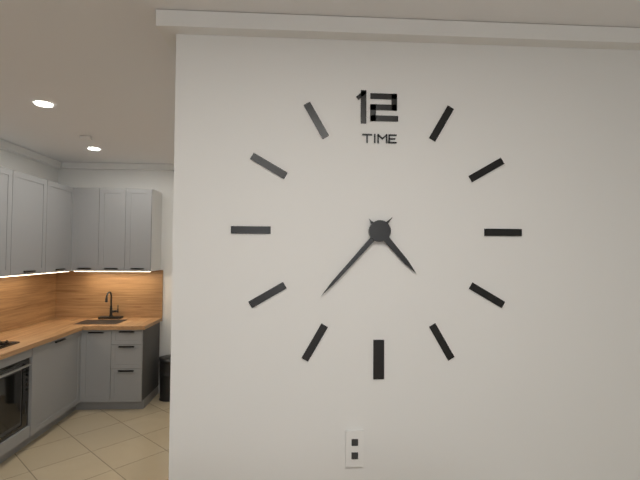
**4:37**
